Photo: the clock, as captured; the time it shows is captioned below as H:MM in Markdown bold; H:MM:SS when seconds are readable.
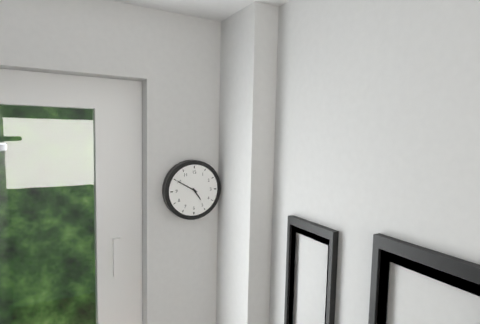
**4:50**
